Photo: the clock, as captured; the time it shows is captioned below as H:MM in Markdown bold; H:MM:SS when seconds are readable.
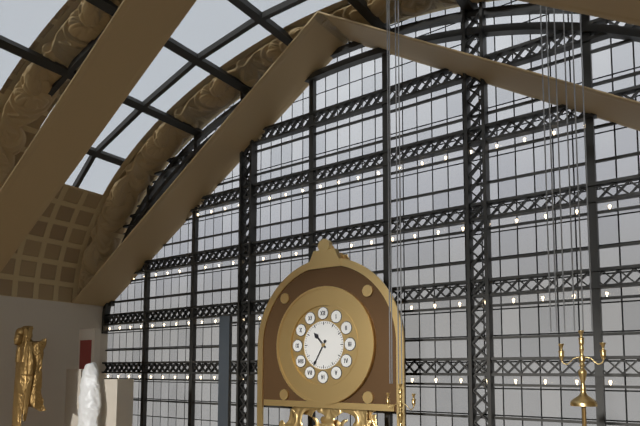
**10:35**
